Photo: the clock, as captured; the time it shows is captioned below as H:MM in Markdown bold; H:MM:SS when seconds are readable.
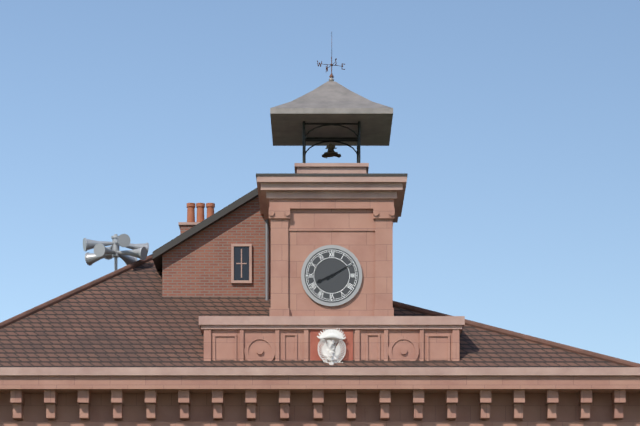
**8:10**
